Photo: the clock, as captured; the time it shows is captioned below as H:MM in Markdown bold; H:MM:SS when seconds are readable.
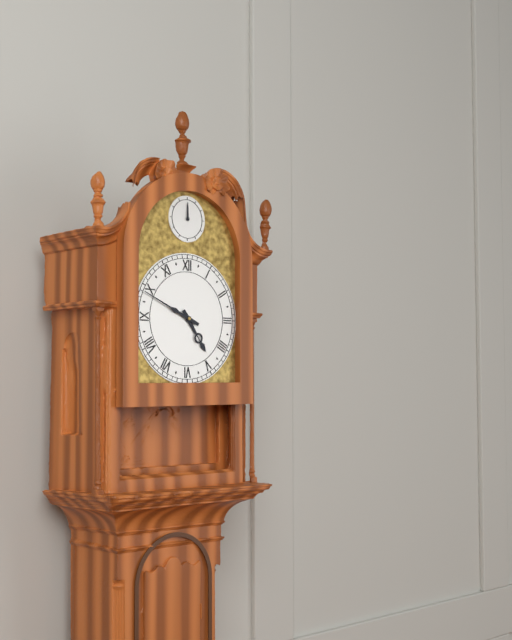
**4:49**
